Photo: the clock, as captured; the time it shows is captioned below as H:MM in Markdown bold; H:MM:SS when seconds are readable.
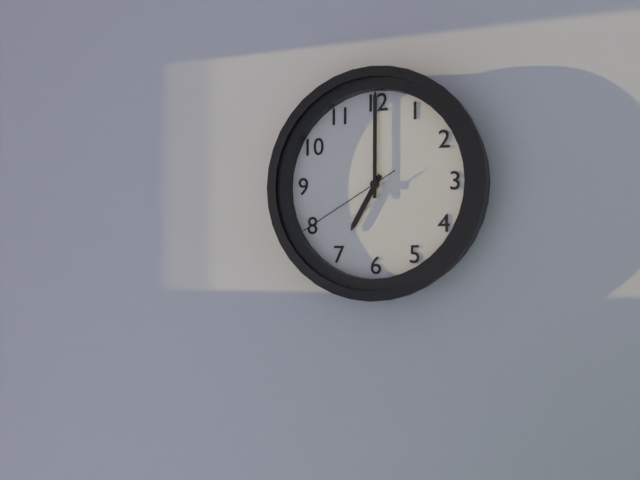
**7:00:40**
